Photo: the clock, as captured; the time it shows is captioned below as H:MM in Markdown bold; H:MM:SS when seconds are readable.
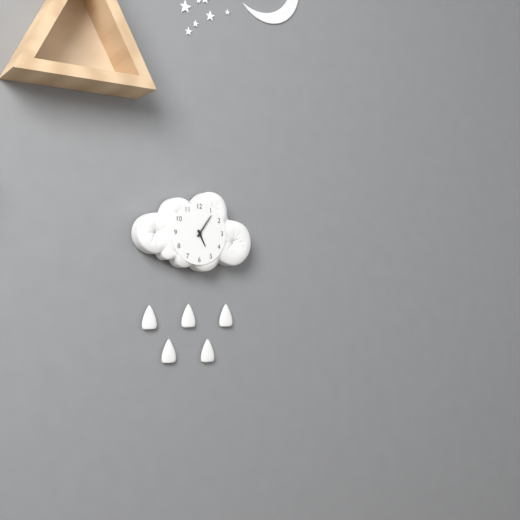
**5:06**
